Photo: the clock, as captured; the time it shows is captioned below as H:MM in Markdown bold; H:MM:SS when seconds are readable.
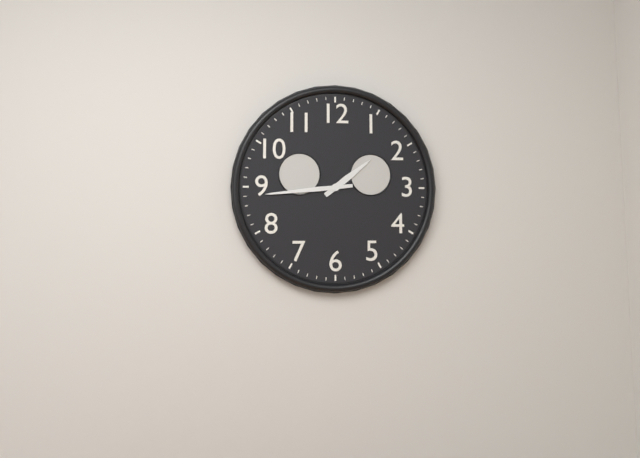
**1:44**
